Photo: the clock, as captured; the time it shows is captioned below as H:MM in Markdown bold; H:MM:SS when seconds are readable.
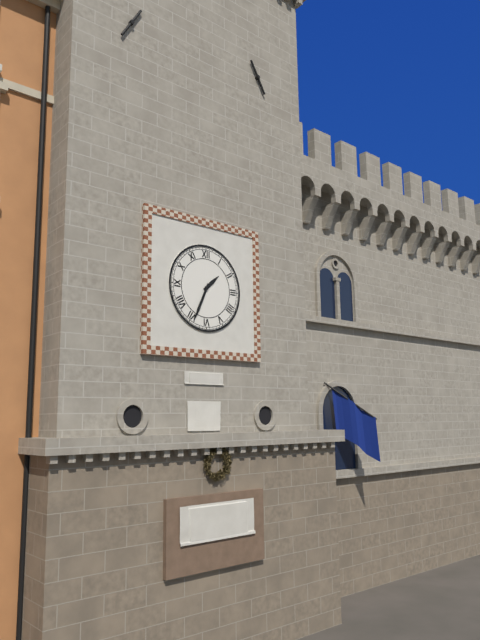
**1:34**
